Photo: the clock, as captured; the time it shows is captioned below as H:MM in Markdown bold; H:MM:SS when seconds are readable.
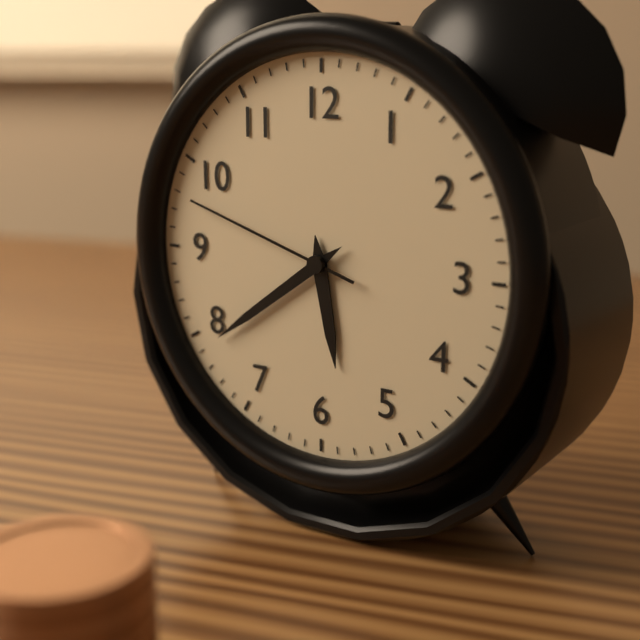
**5:39:48**
